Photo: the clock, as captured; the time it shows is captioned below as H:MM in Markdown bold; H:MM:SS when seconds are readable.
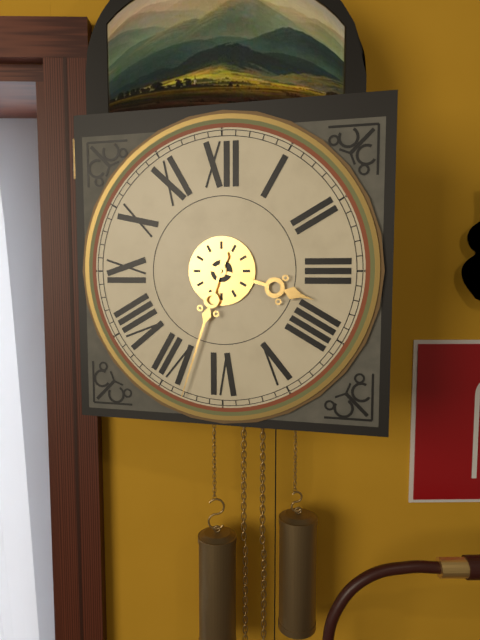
**3:33**
